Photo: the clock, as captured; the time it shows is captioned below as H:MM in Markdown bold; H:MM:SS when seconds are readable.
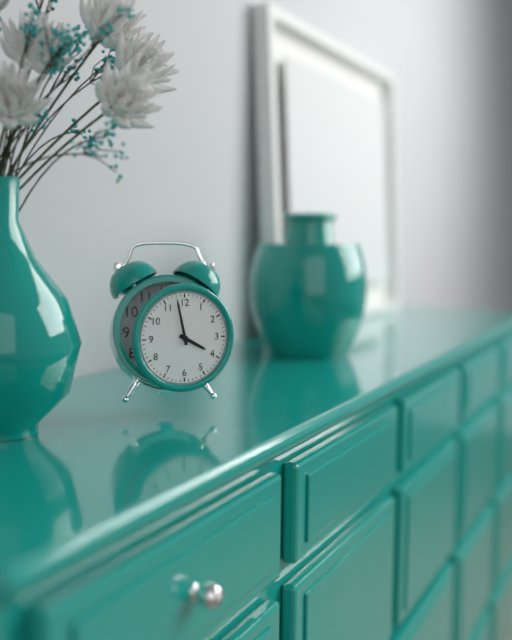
**3:58**
